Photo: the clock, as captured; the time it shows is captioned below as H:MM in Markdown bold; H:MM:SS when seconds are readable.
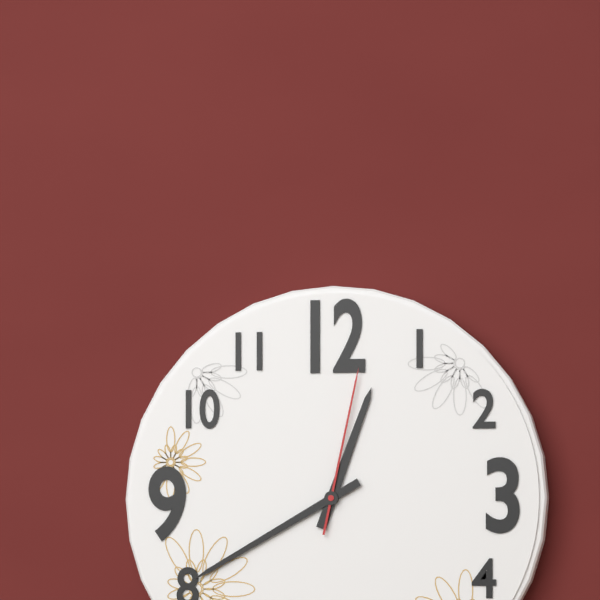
**12:40:02**
